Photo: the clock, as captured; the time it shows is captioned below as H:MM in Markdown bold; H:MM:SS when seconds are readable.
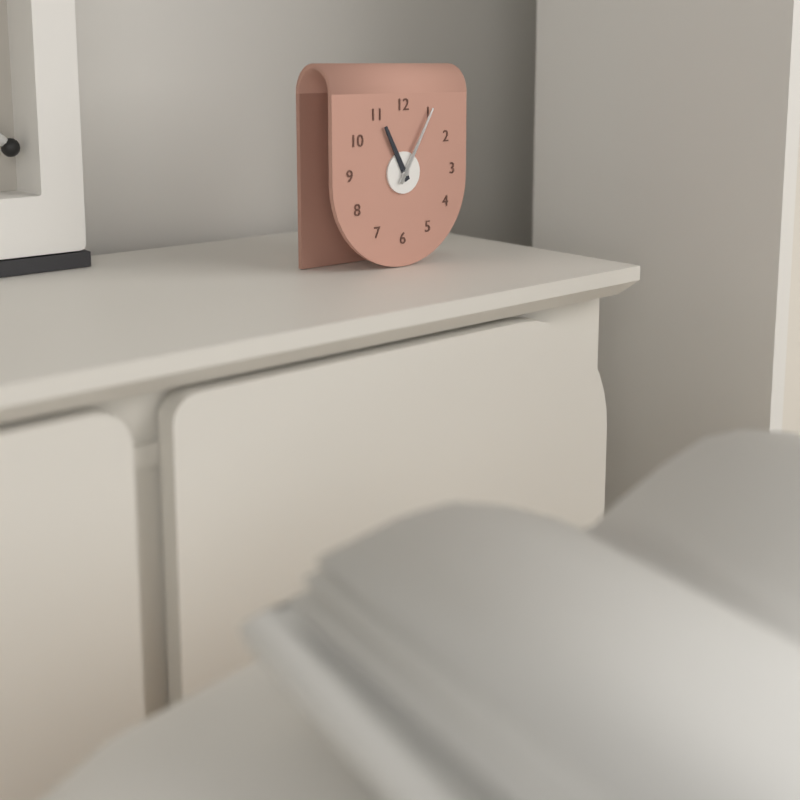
**11:05**
